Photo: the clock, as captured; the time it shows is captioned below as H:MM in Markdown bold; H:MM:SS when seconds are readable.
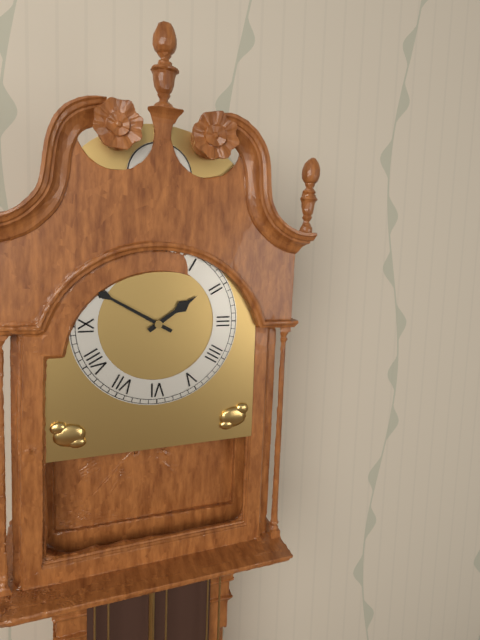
**1:50**
